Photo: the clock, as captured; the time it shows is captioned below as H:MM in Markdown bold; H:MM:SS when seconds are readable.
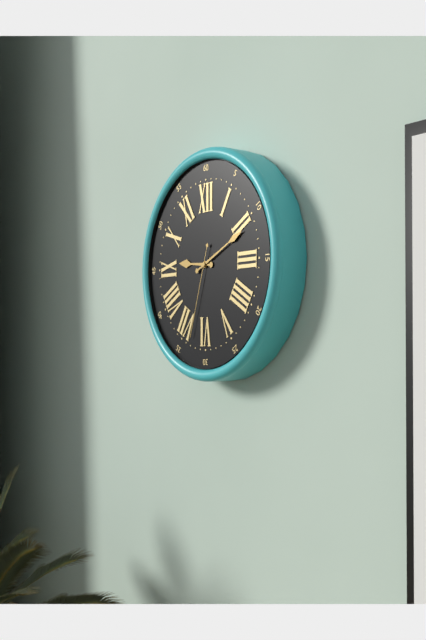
**9:11:33**
